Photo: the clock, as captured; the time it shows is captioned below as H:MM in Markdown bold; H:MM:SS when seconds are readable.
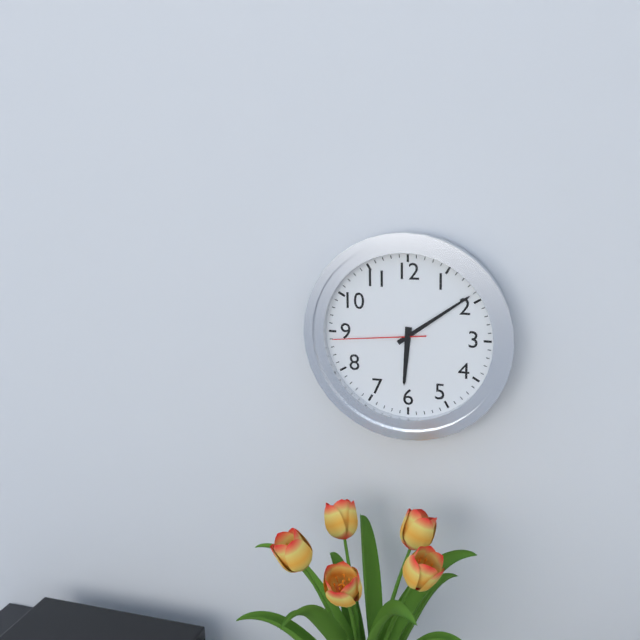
**6:09:44**
